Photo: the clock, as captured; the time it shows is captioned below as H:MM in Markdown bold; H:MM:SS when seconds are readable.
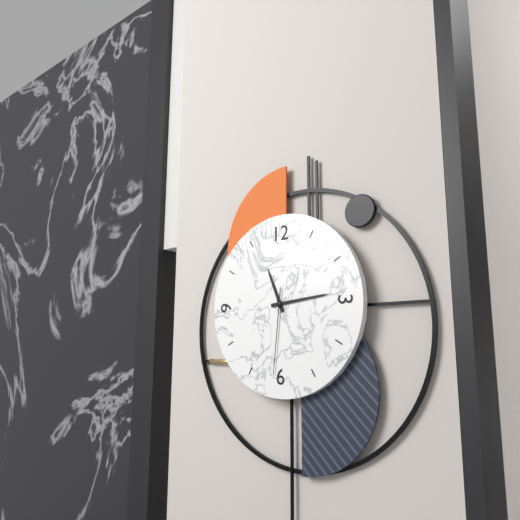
**11:14:31**
